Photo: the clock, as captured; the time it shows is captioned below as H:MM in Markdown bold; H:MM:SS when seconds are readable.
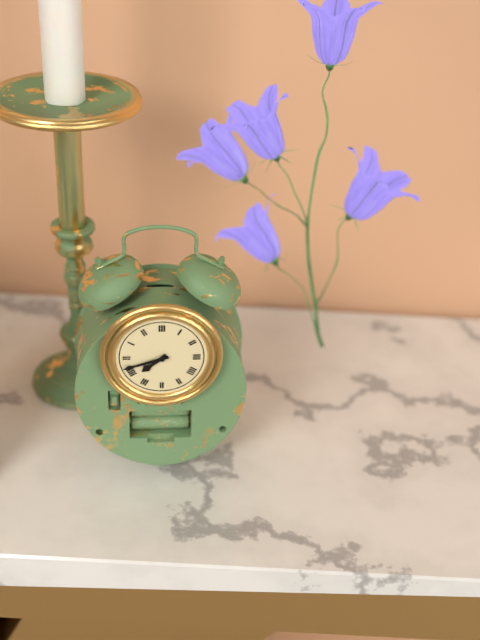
**7:42**
